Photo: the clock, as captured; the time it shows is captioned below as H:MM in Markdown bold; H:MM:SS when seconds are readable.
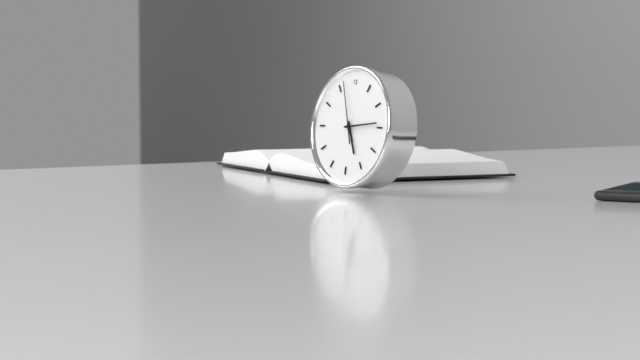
**5:14:57**
